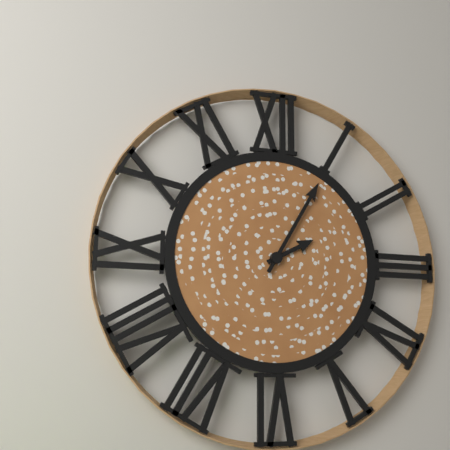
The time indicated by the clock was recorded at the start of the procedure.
2:05
